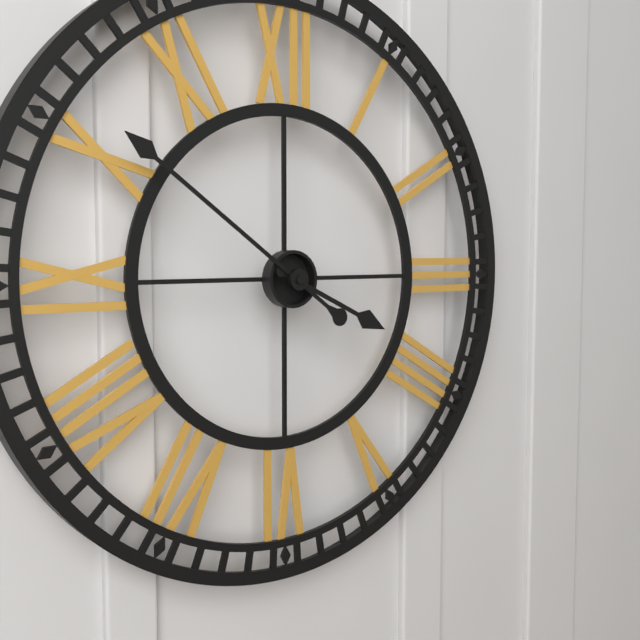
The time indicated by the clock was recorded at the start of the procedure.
3:51
